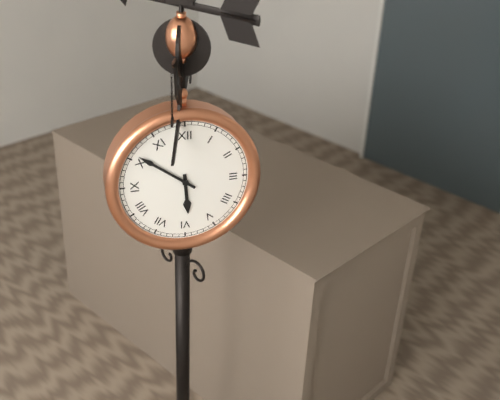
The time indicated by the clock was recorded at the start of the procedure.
5:51
